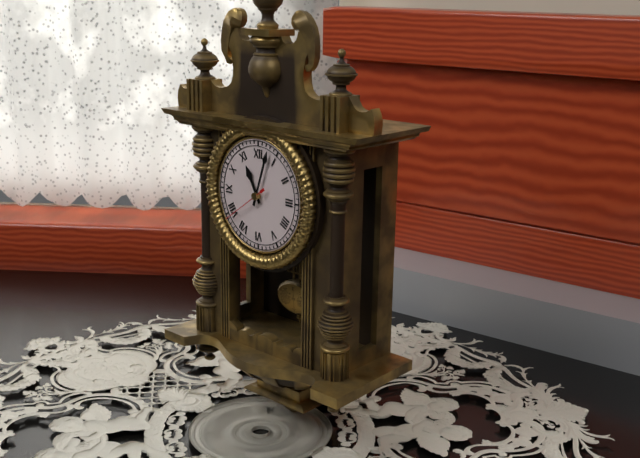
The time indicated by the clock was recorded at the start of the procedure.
11:03
